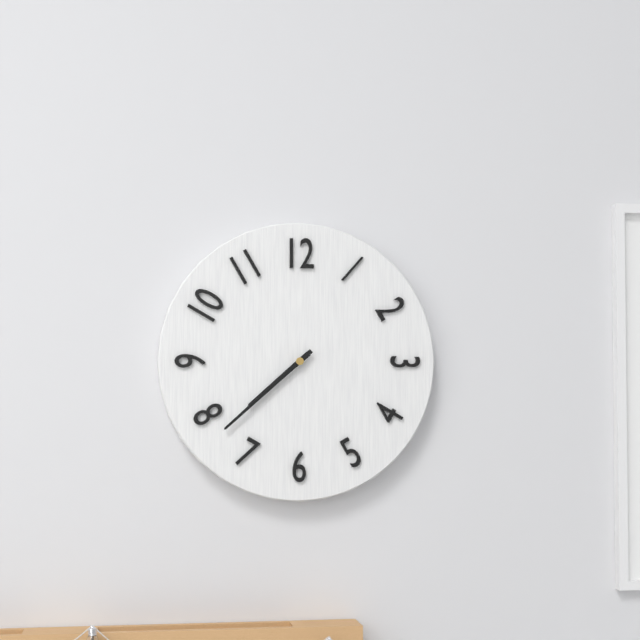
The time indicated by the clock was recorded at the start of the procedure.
7:38
